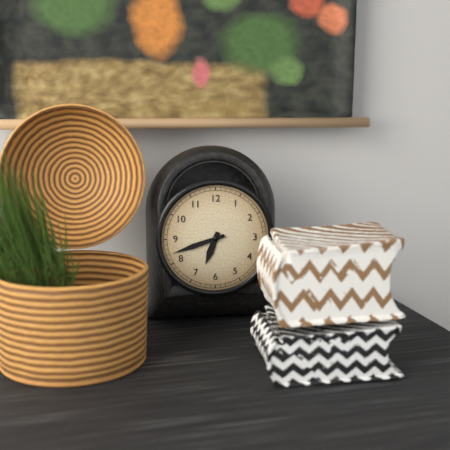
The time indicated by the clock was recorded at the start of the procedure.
6:42
